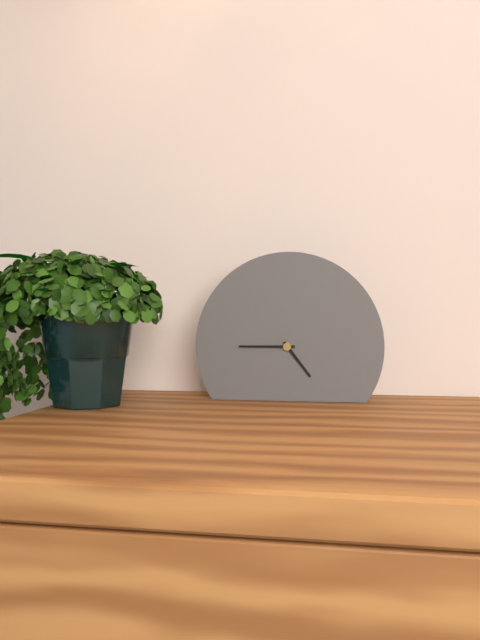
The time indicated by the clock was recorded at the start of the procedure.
4:45
